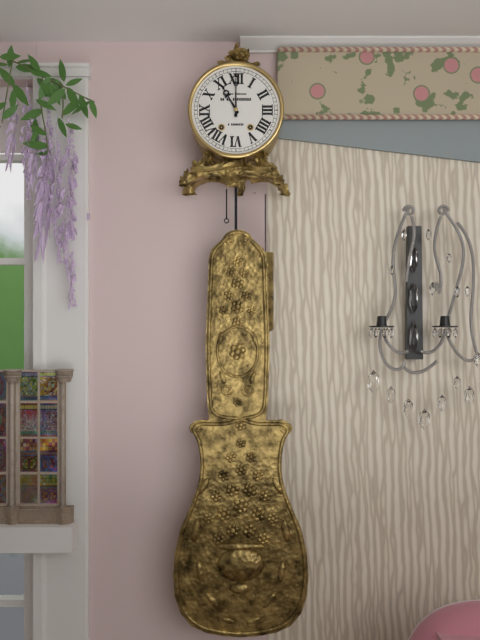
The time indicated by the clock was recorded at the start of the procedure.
11:00
